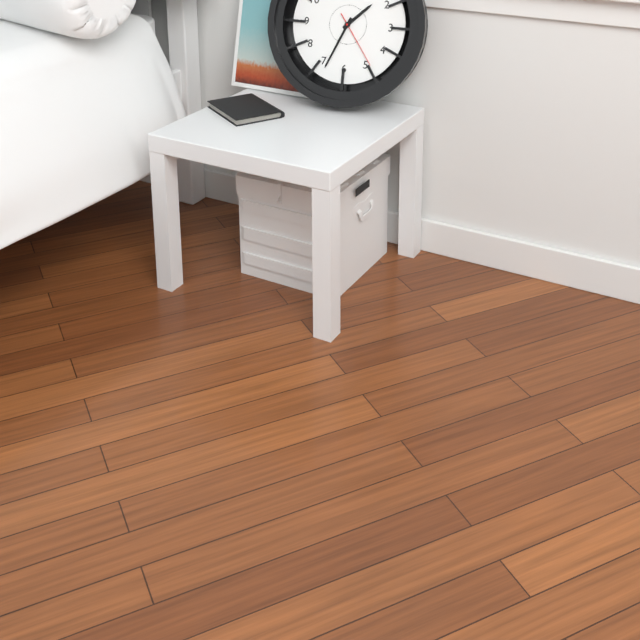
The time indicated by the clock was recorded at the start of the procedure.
1:34:24
